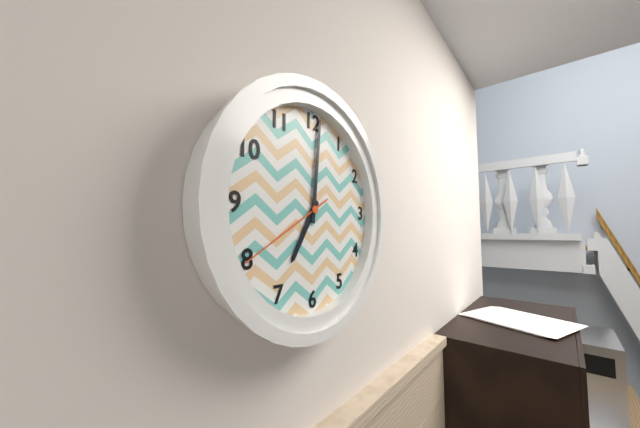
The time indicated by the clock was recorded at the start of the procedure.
7:01:40
